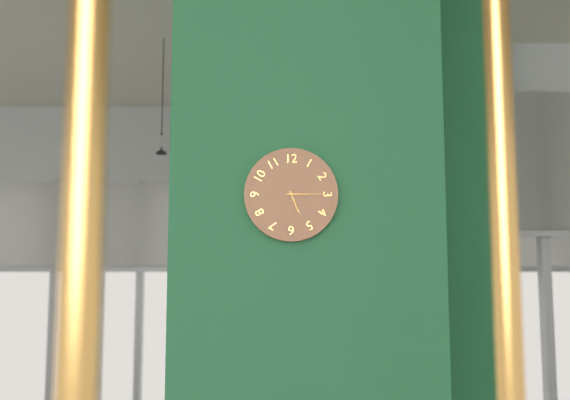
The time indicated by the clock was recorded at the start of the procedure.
5:15
